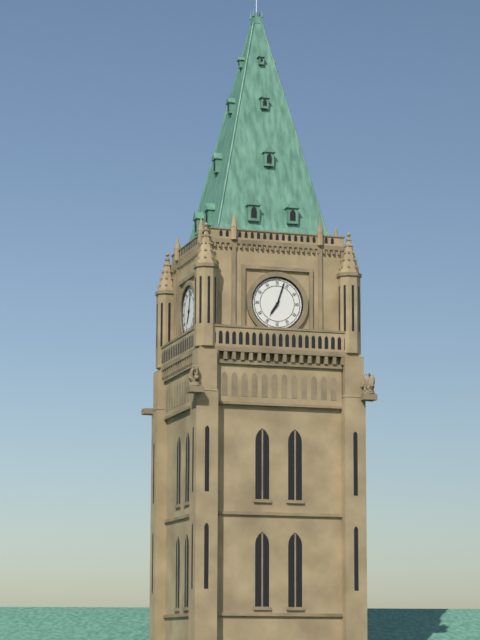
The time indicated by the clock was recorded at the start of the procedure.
7:03
